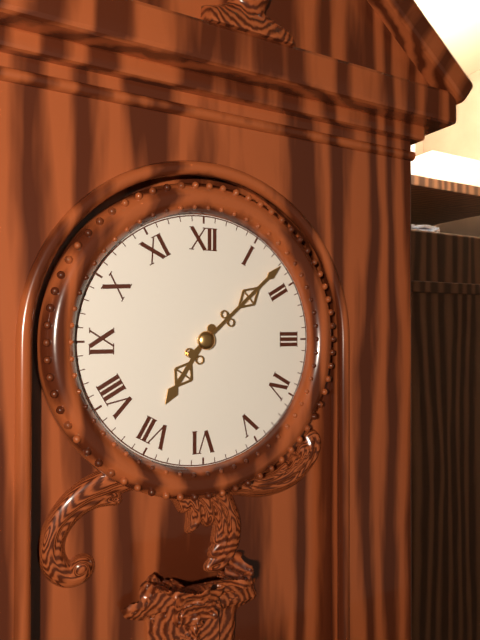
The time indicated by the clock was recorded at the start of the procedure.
7:08
